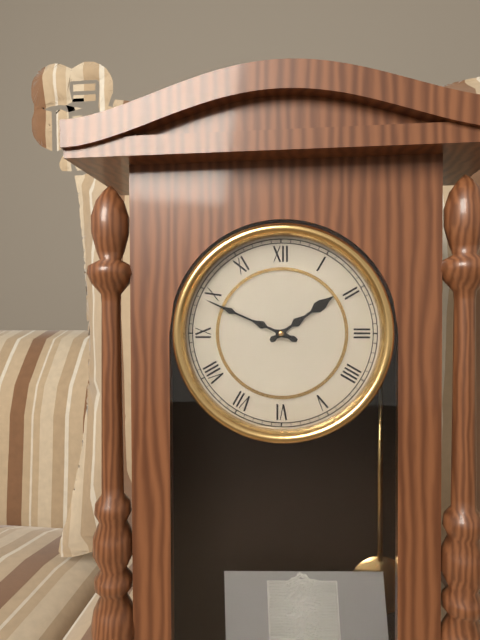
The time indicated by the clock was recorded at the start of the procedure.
1:49
